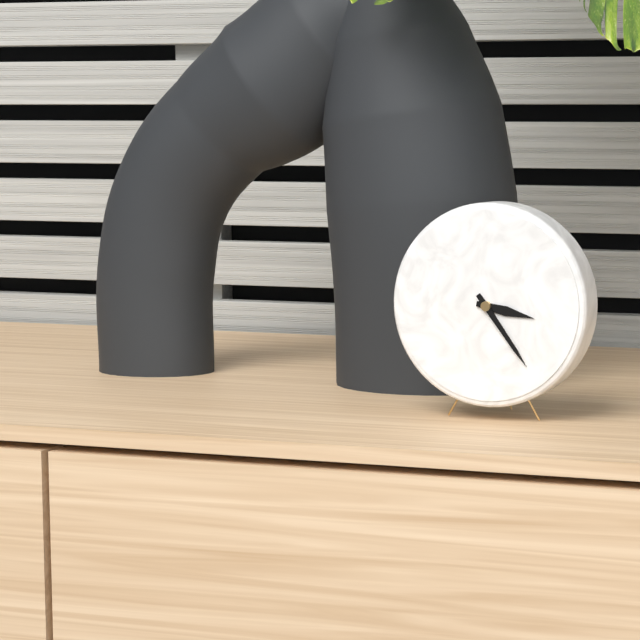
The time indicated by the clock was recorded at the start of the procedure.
3:24
